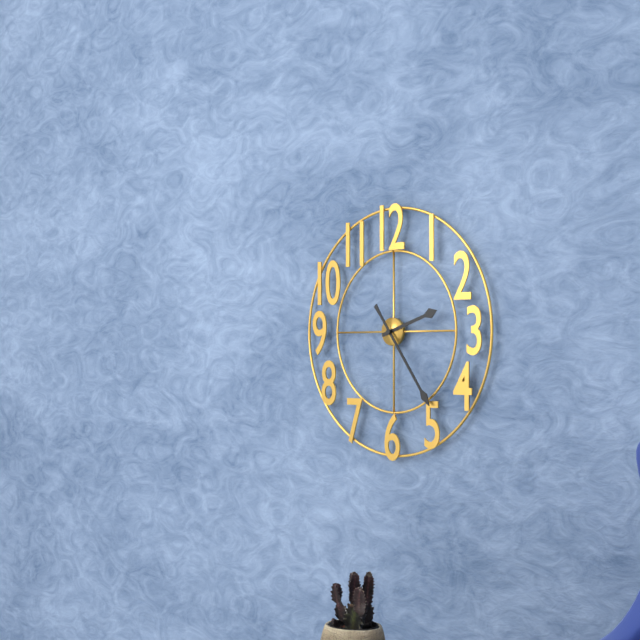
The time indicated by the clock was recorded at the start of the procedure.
2:24
